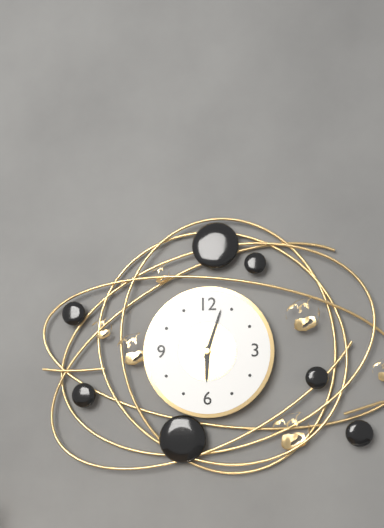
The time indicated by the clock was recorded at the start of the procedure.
6:03
